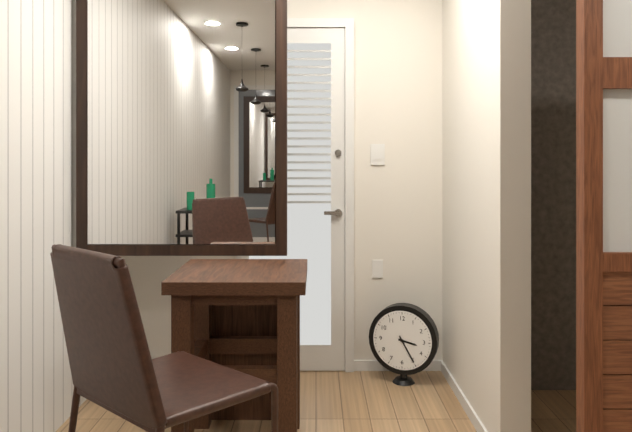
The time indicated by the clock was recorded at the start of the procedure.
3:25
